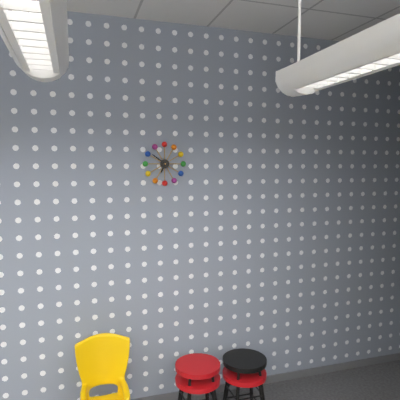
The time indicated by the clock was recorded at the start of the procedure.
6:51
